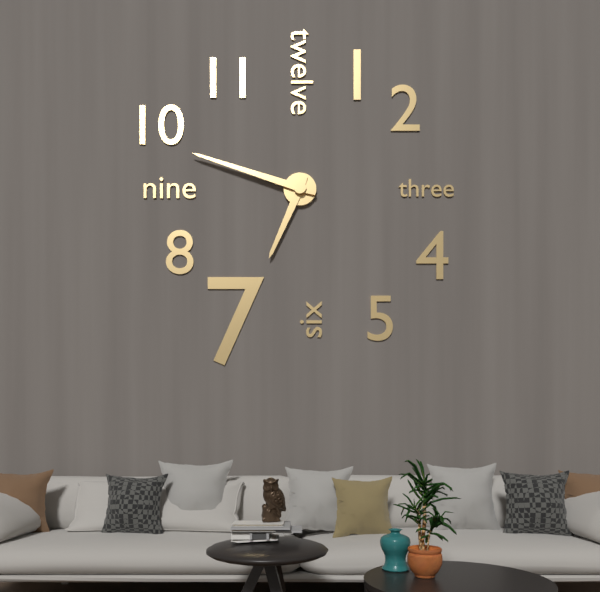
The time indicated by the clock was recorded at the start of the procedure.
6:48
